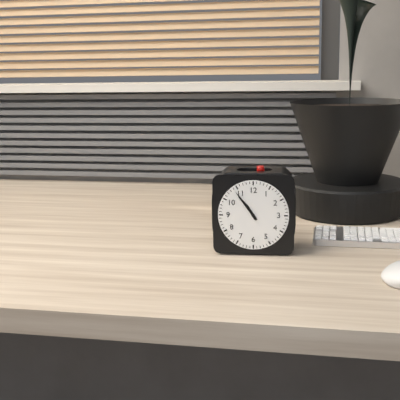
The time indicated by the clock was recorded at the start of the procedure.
10:54
